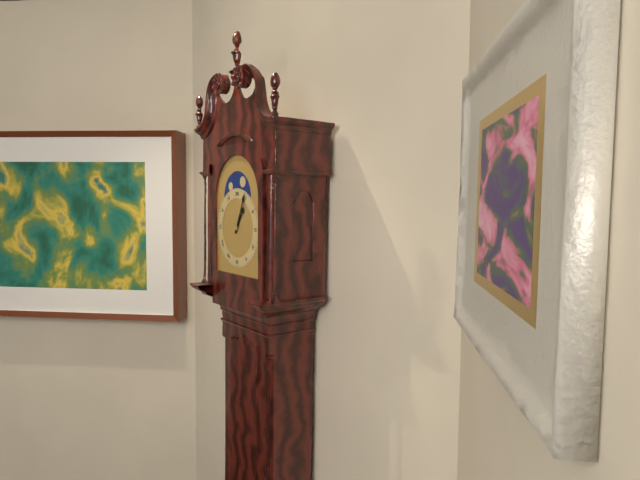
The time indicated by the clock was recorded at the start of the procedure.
1:04
